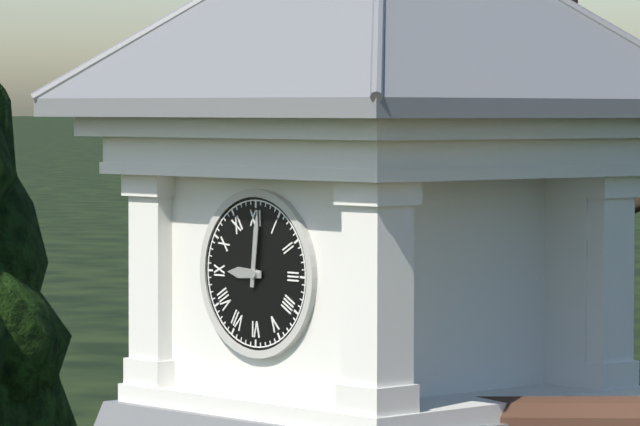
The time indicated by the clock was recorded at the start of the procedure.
9:01
